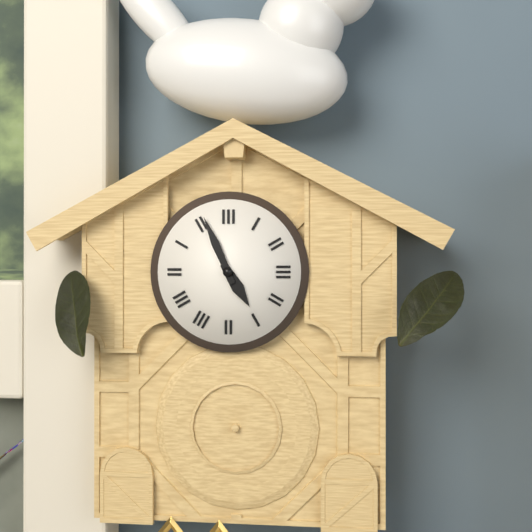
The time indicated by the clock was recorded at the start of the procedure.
4:56
